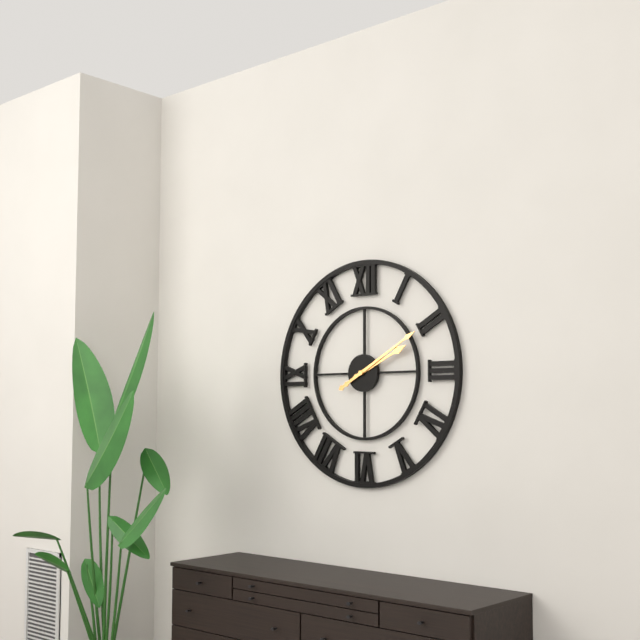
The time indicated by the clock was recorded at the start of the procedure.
2:10
